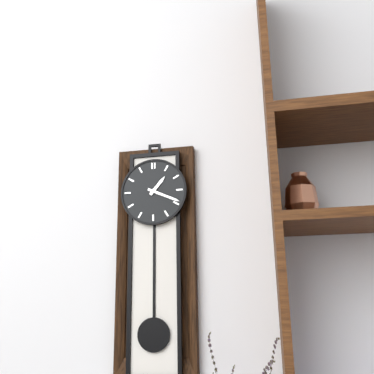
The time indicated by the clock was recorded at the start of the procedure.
1:19
